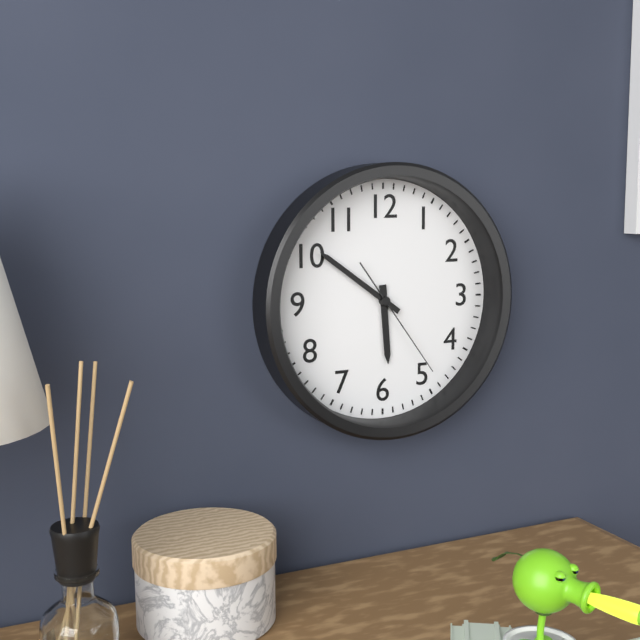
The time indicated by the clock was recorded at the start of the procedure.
5:51:24
